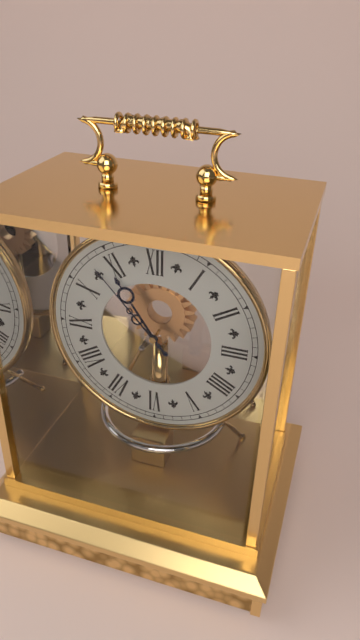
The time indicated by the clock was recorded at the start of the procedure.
10:53
